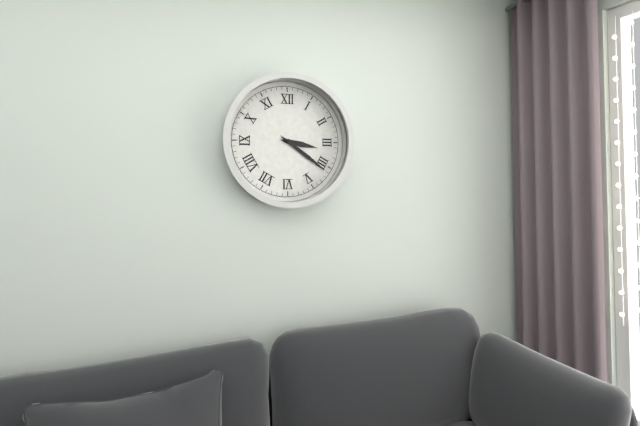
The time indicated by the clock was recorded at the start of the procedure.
3:21
